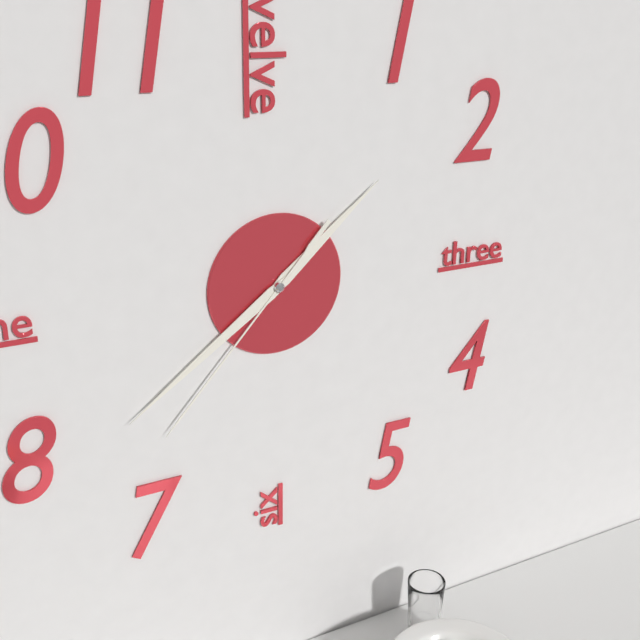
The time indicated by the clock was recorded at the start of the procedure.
1:39:37
